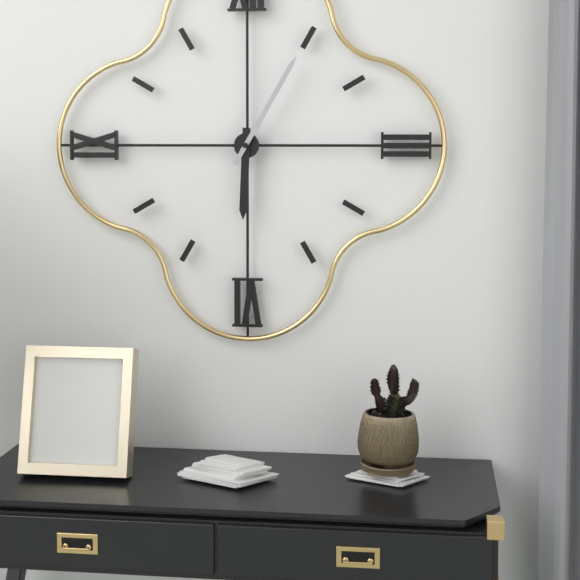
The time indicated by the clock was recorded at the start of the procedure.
6:05
